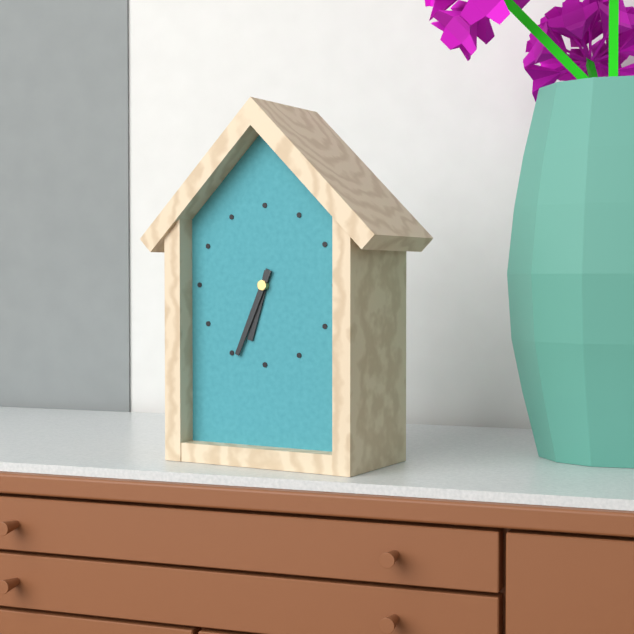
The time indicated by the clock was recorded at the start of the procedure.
6:34
